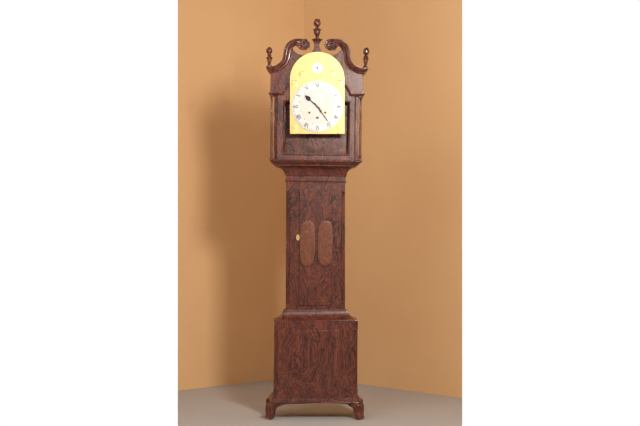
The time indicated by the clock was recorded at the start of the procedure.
10:24
